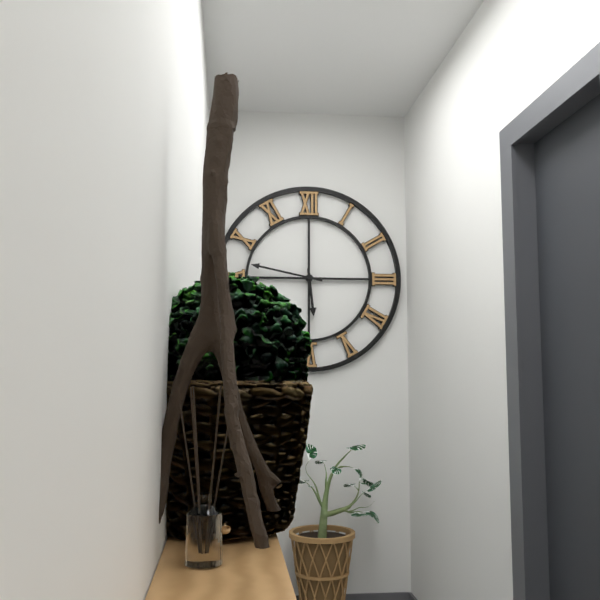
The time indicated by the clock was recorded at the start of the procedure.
5:47
